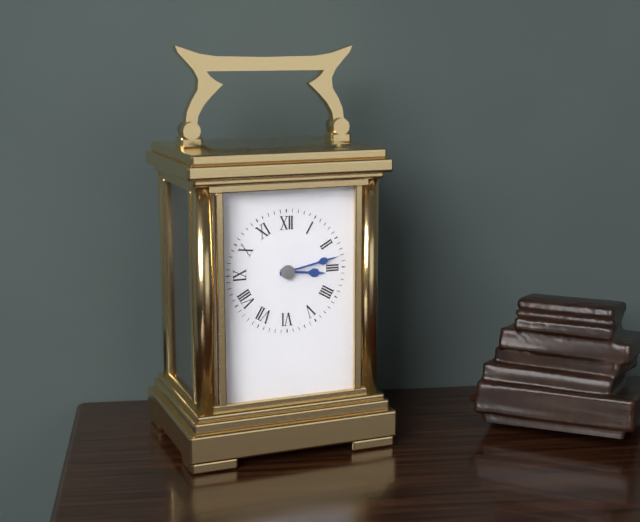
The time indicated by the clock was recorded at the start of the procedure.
3:13
